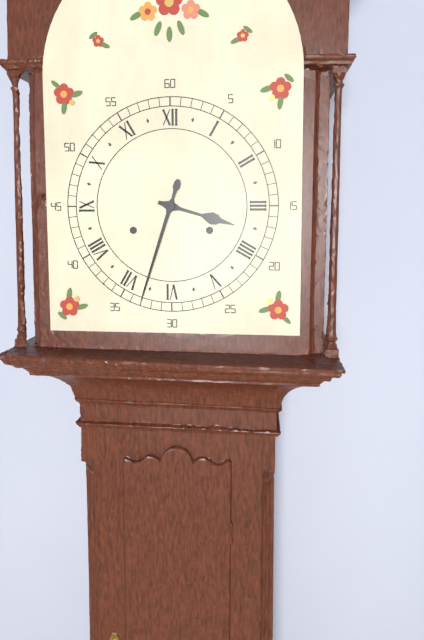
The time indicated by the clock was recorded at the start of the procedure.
3:33
